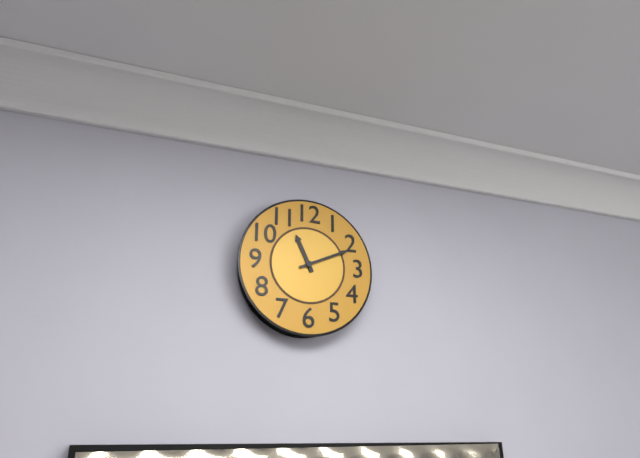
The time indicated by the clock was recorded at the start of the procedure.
11:11
